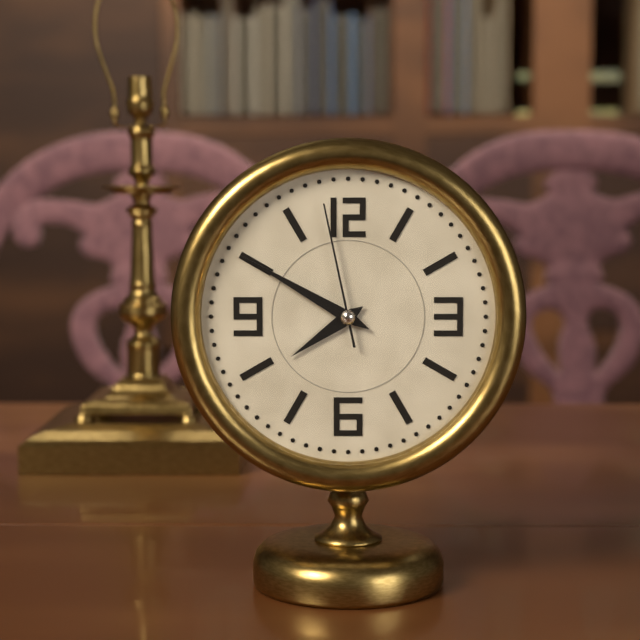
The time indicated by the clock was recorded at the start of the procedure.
7:50:58
